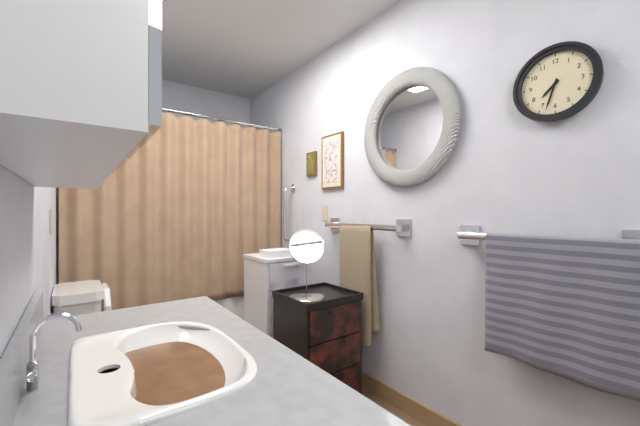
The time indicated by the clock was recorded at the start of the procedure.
7:33
